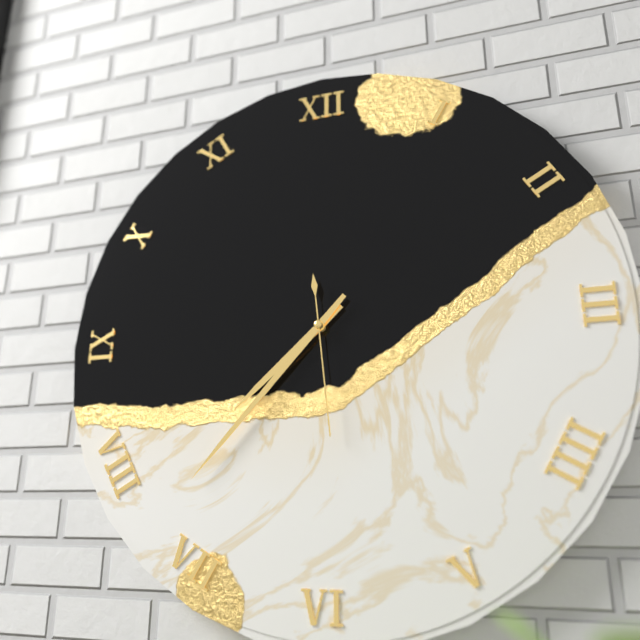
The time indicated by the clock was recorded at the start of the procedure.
7:37:29
